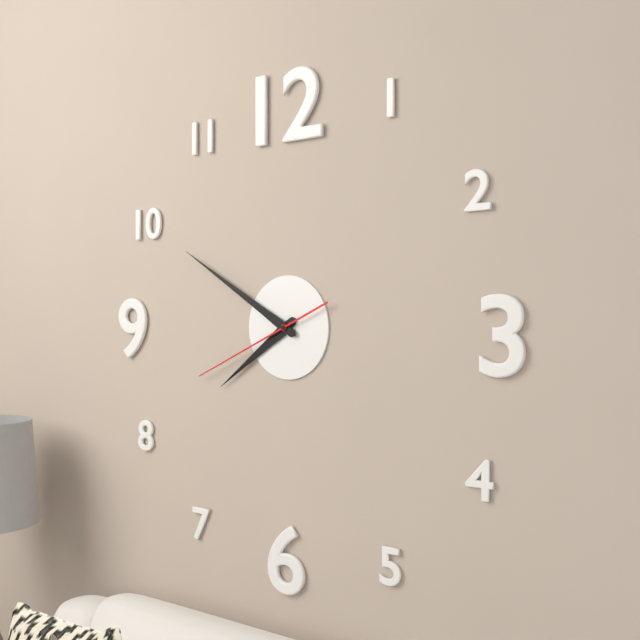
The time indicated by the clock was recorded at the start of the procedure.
7:50:41
